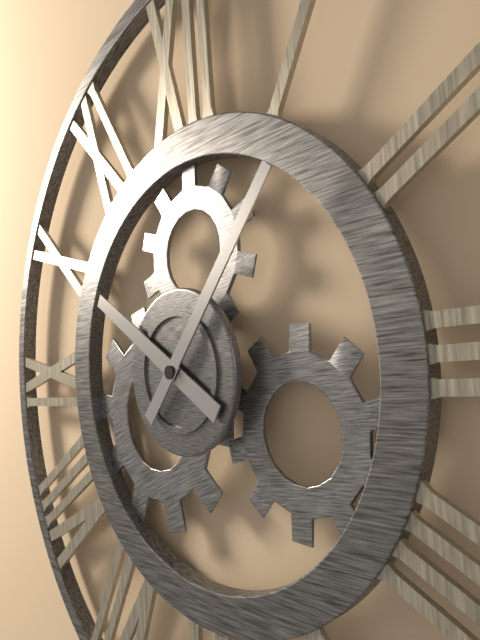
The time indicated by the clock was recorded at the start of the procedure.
10:07
